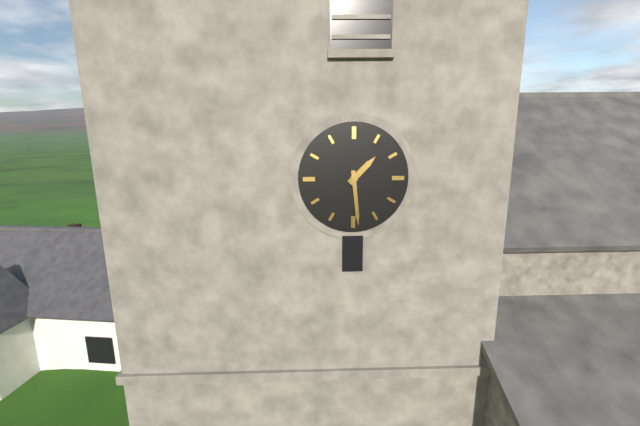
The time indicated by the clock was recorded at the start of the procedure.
1:29
